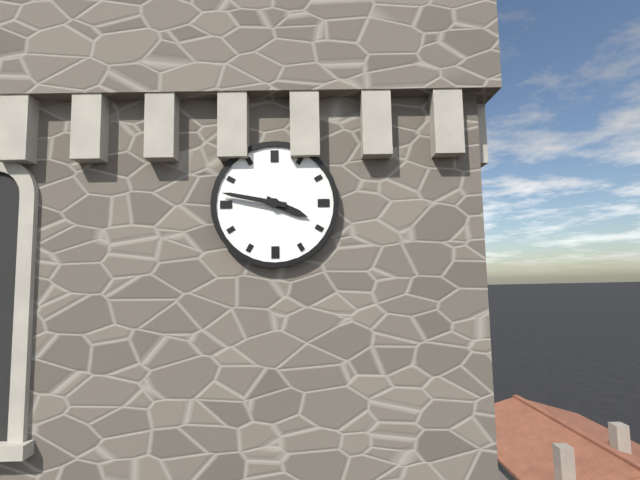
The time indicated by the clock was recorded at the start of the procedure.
3:47
